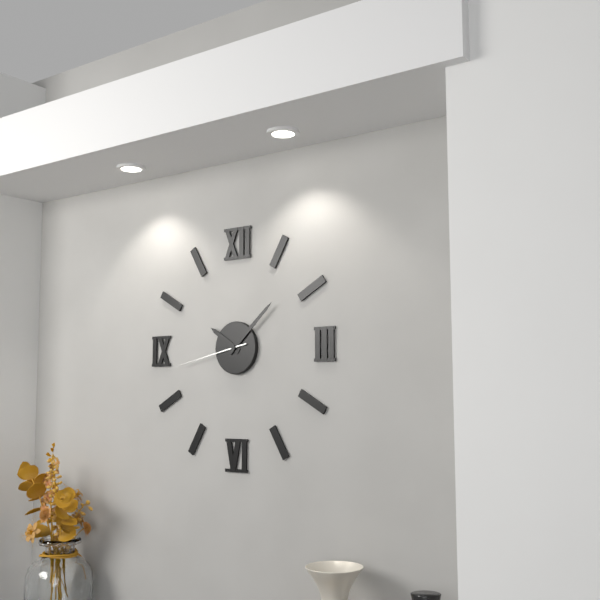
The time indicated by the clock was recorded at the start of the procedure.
10:08:43
